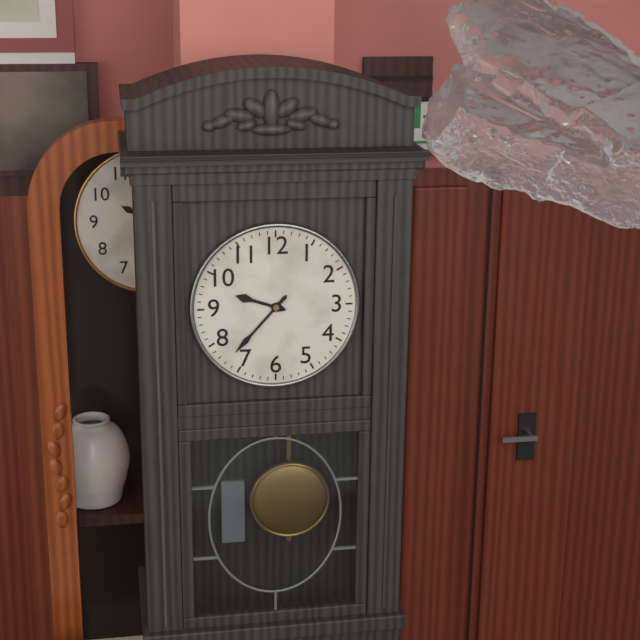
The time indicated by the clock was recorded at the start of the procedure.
9:37
